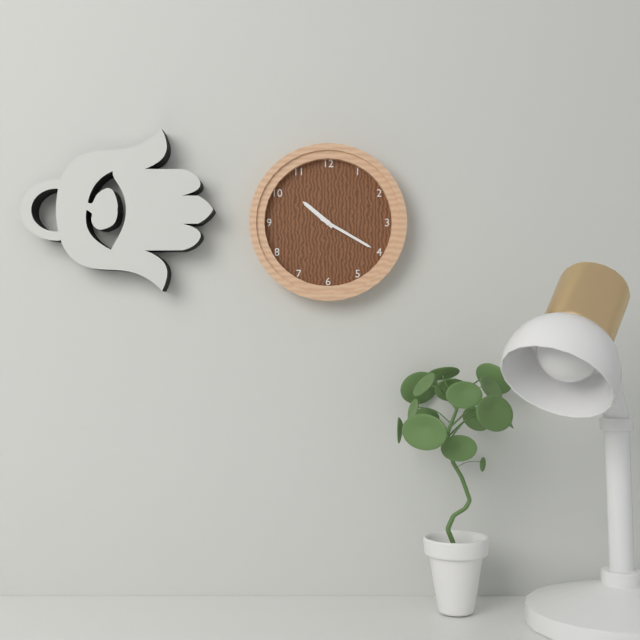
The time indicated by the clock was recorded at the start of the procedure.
10:20
